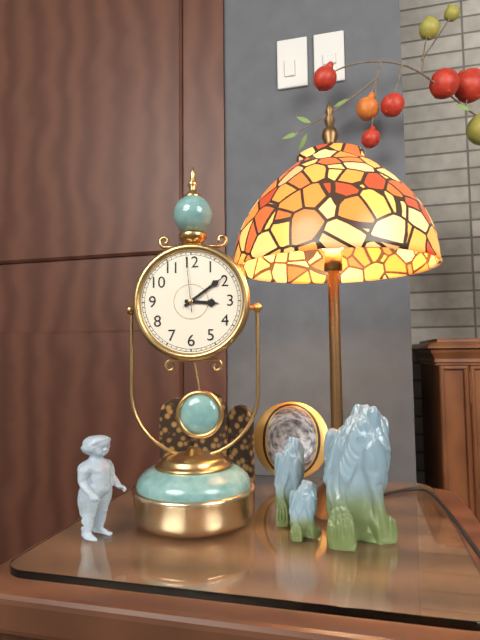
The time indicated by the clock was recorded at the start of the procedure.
3:09:59
